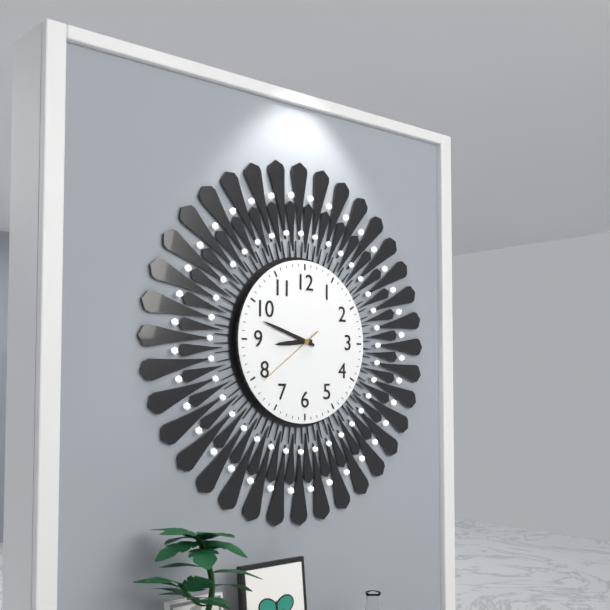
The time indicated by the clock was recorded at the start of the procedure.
8:48:39
